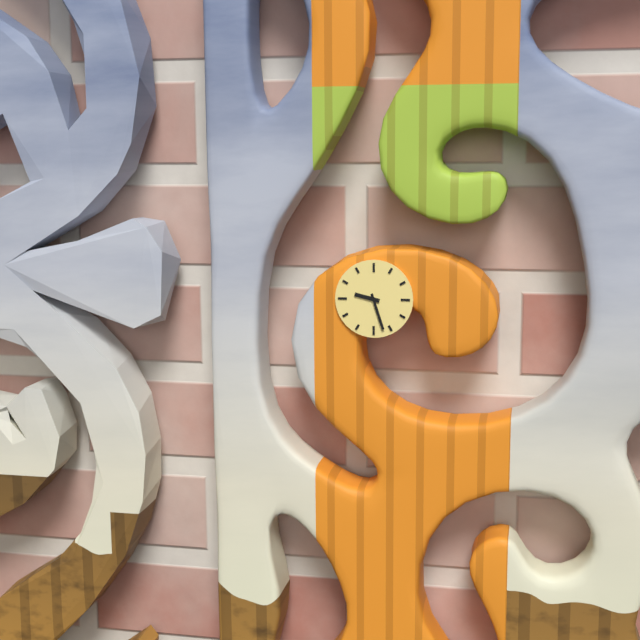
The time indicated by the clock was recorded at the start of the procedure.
9:27
